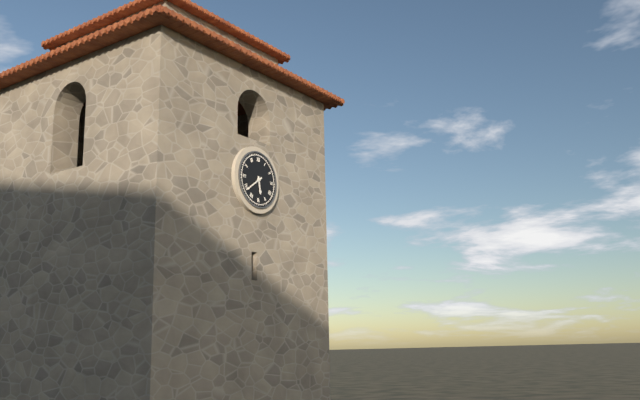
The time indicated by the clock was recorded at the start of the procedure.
5:39
